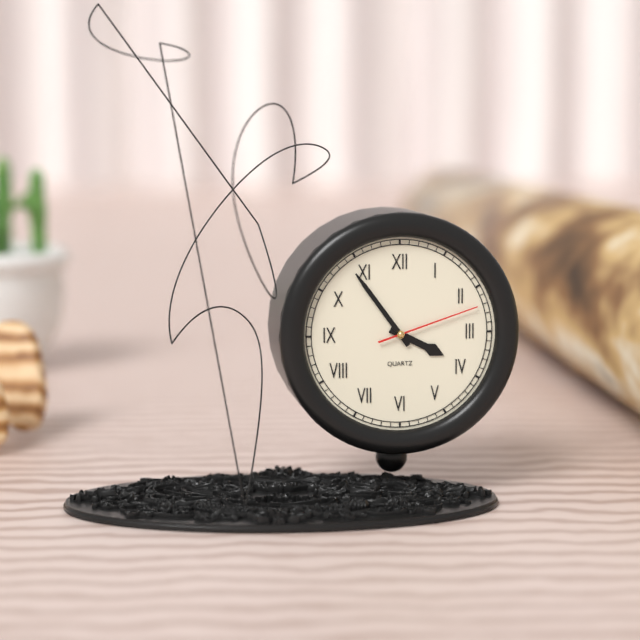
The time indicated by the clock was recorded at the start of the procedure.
3:54:12
